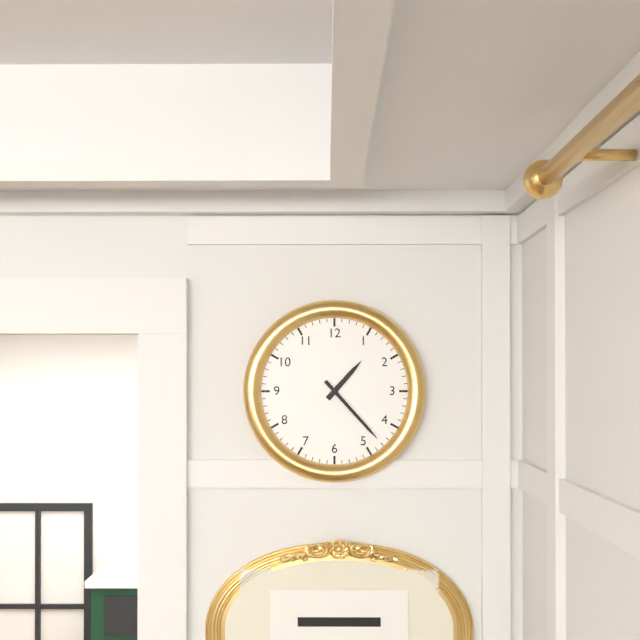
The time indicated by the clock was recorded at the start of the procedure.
1:23
